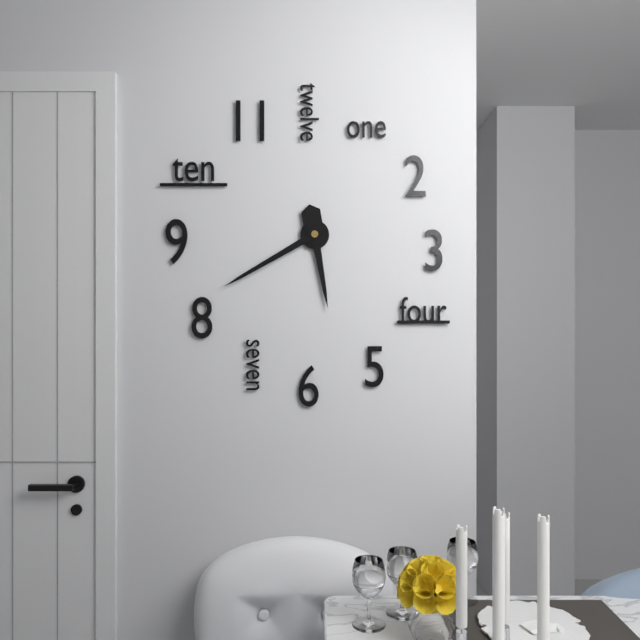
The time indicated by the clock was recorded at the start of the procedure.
5:40
